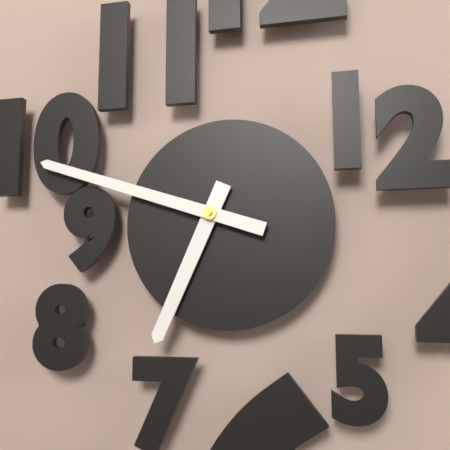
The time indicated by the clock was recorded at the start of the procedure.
6:48
